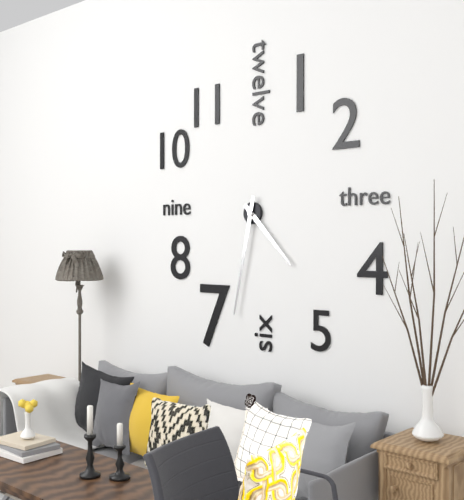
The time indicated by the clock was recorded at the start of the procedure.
4:32
